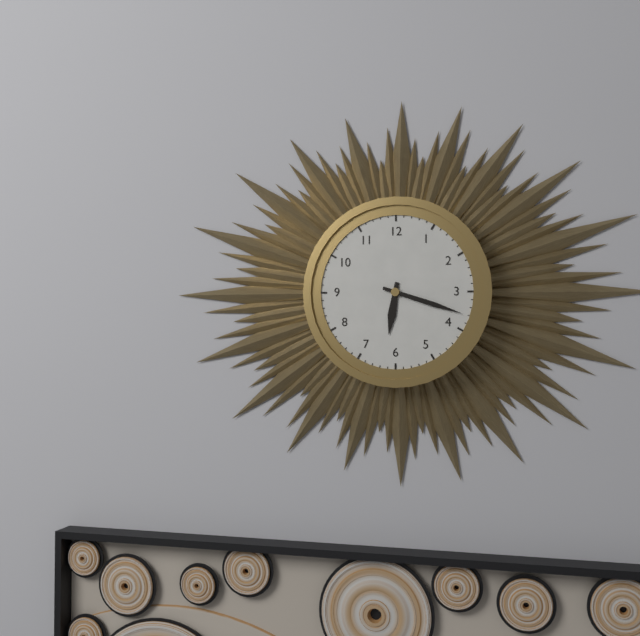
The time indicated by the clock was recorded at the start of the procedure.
6:18
